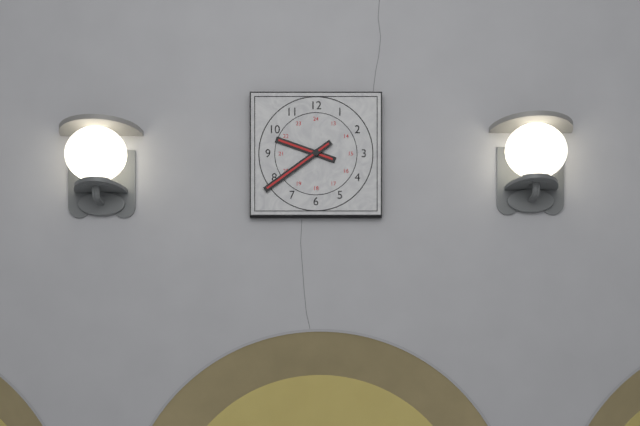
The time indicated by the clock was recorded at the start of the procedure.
9:39
